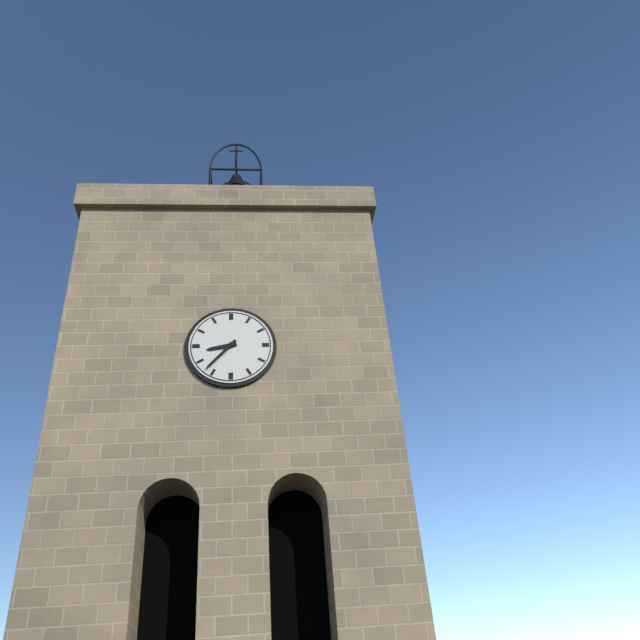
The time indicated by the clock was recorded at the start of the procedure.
8:37
